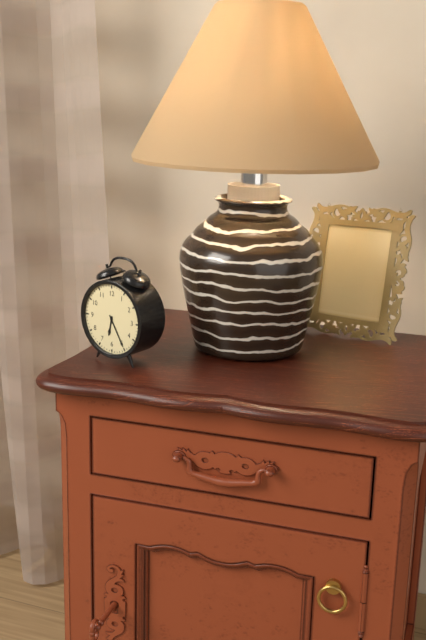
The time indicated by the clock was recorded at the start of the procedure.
6:25
